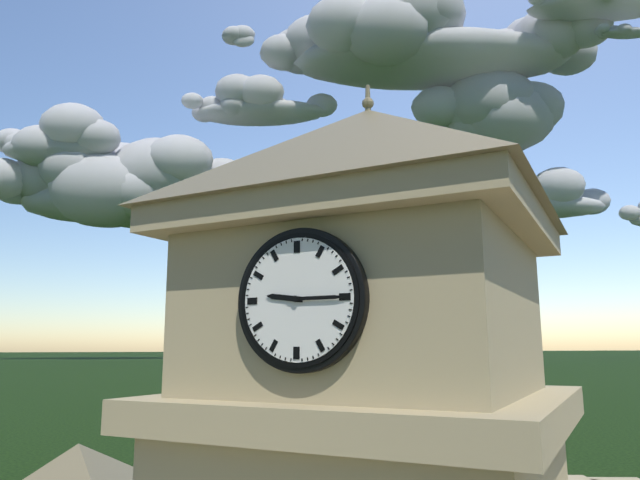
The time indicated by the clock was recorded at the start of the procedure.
9:15
